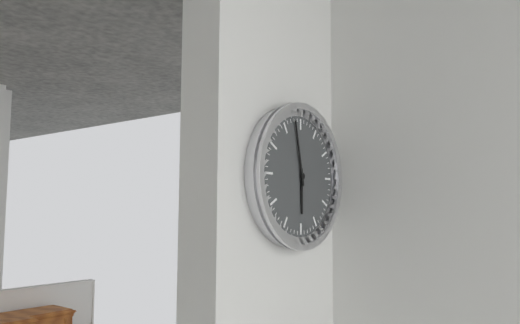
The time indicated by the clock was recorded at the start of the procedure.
5:58
